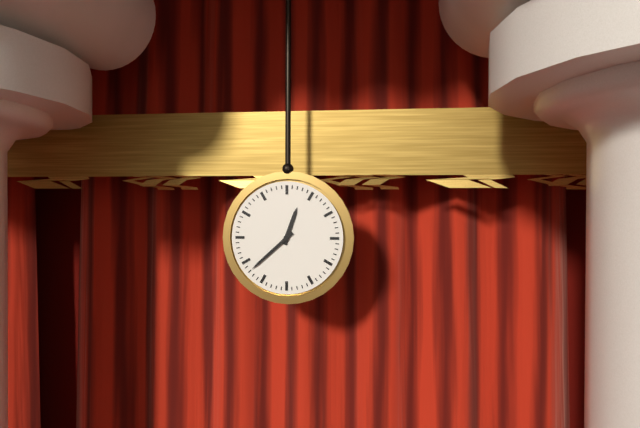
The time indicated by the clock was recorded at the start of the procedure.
12:38
